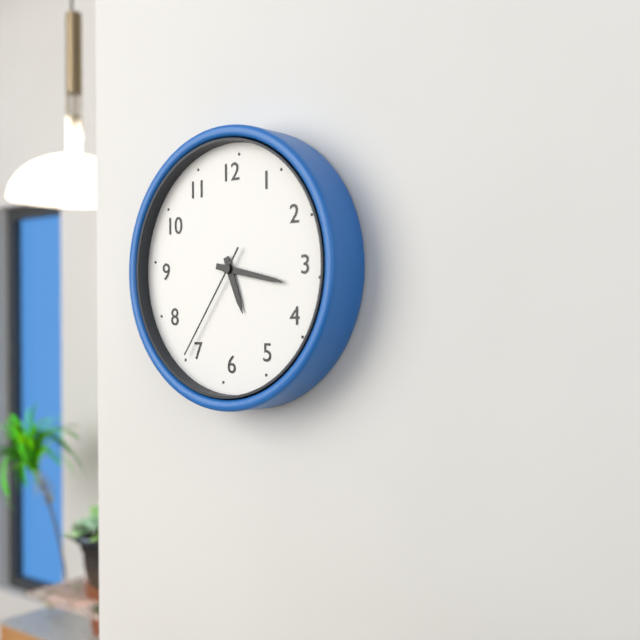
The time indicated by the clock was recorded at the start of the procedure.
5:17:36
